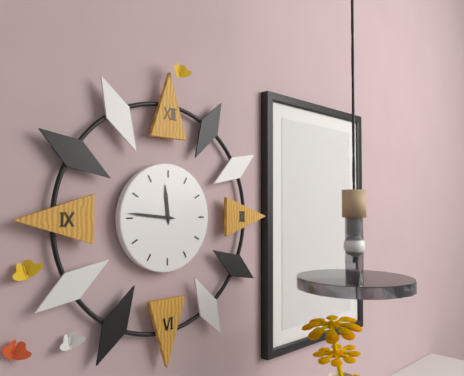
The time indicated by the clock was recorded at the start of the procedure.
11:46
